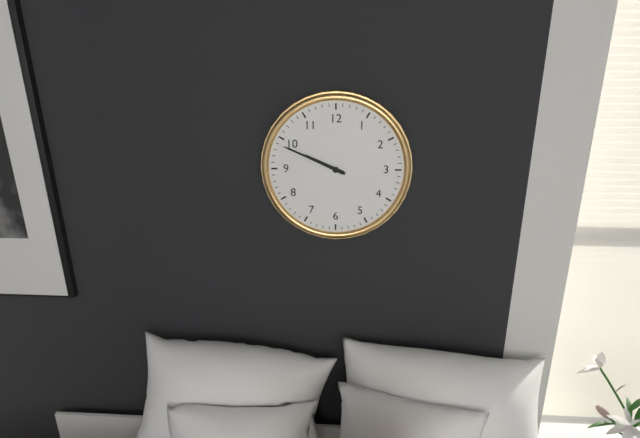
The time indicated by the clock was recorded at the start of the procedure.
9:49
